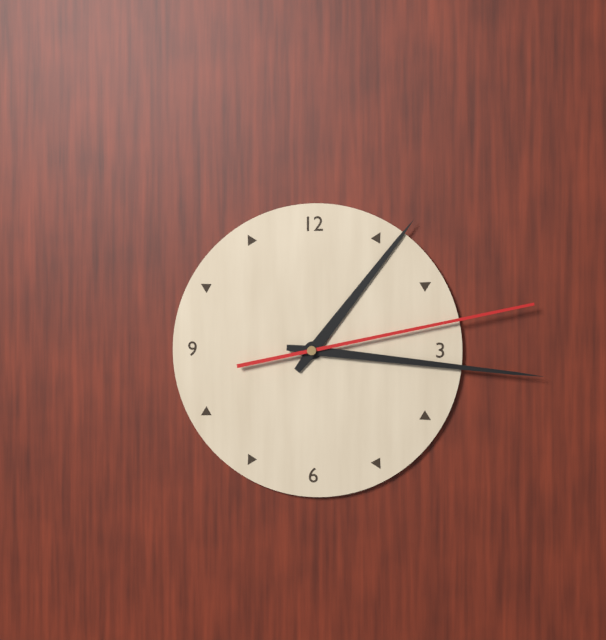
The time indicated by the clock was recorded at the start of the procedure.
1:16:13
